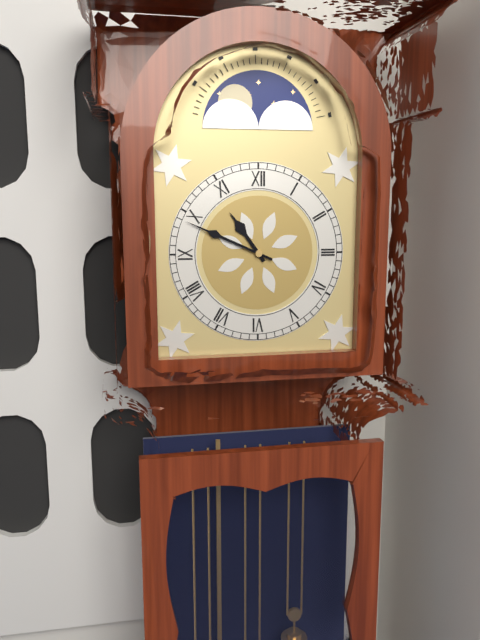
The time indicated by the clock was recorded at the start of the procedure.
10:49
